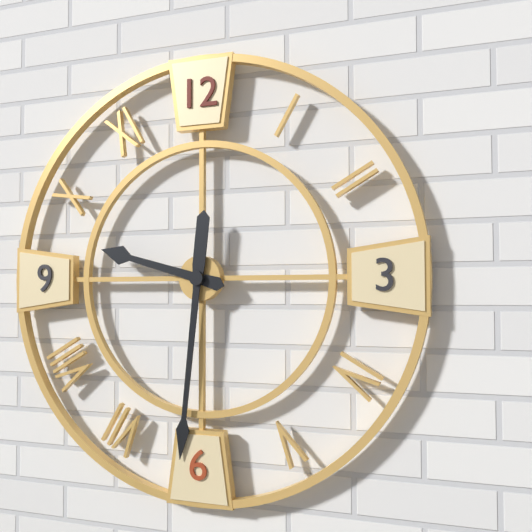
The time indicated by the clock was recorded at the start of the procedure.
9:31
